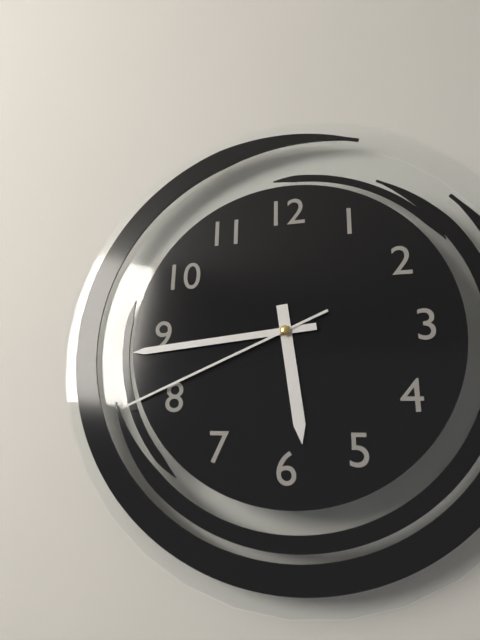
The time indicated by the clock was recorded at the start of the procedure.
5:44:41
